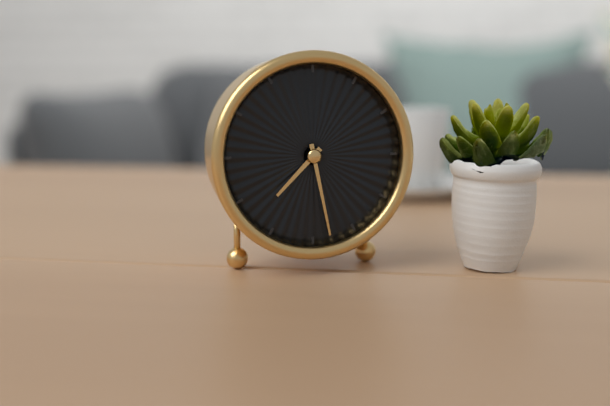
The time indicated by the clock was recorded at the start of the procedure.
7:28
